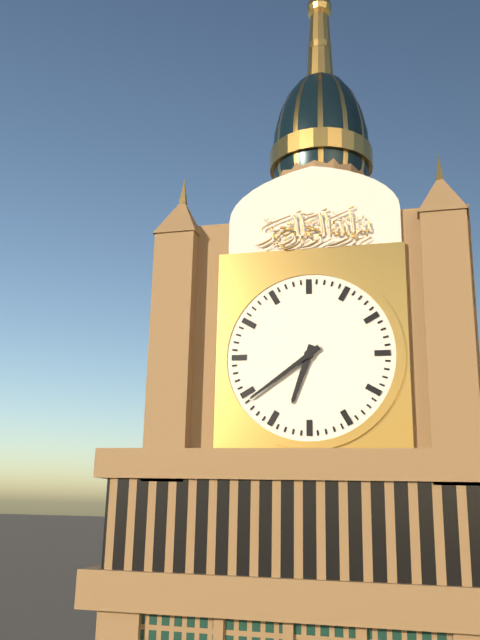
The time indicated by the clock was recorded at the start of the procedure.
6:39
